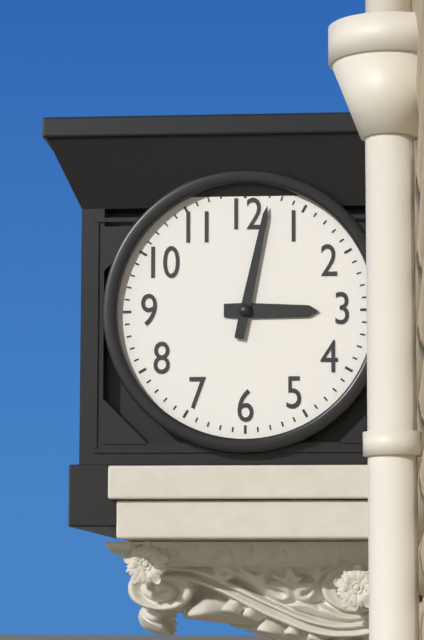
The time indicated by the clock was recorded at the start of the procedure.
3:02
